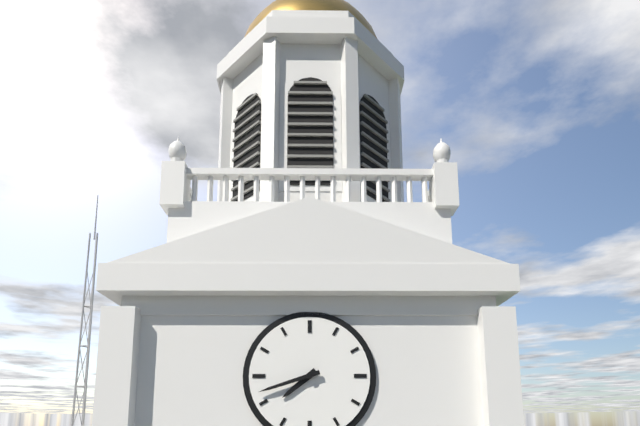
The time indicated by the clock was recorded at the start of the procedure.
7:42
